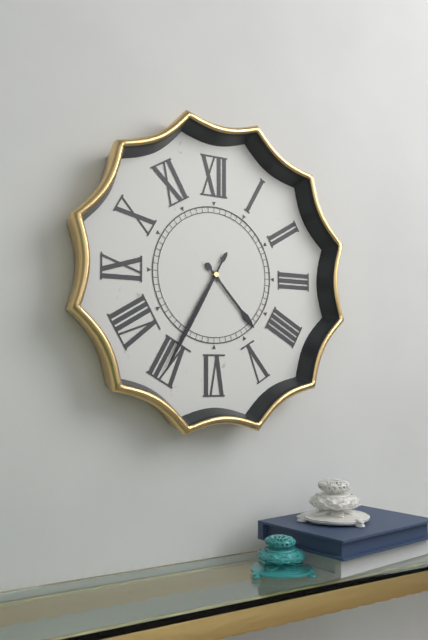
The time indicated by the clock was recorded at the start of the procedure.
4:35
